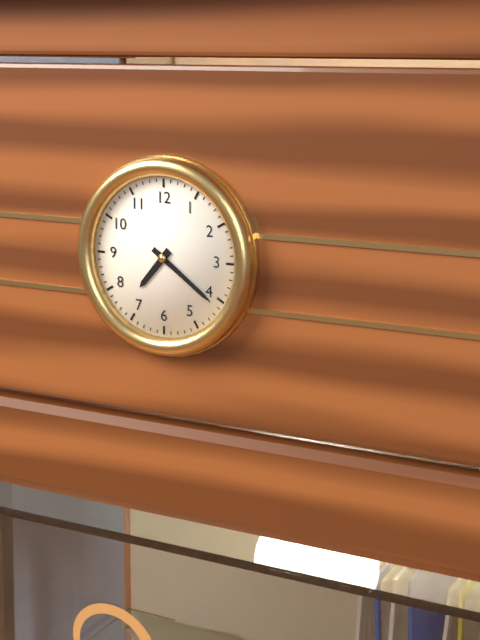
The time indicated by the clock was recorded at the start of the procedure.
7:21
